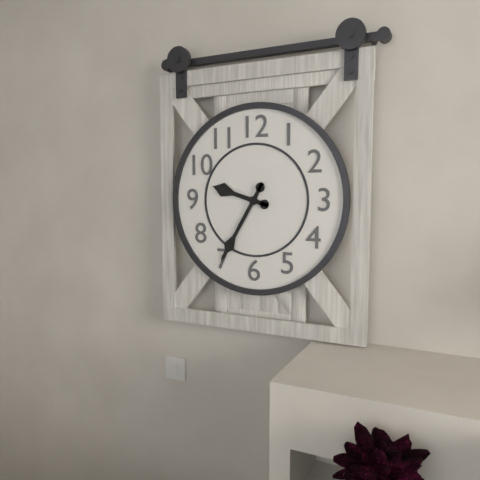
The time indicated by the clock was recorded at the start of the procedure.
9:35
